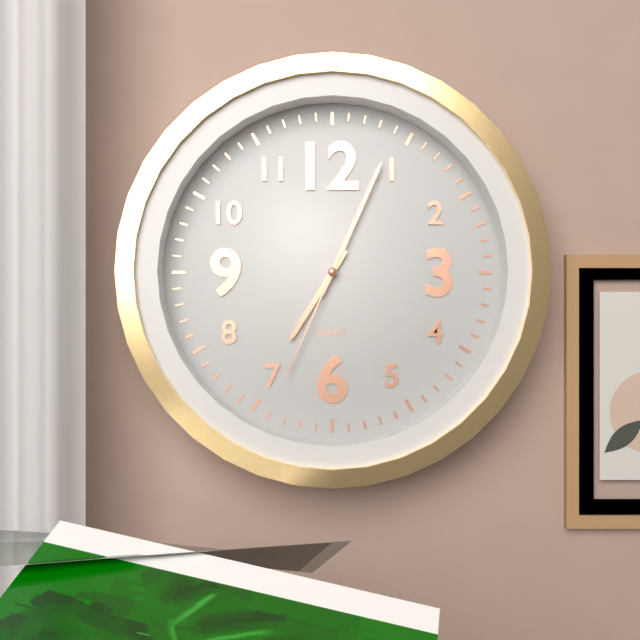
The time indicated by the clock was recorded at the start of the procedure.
7:04:34
